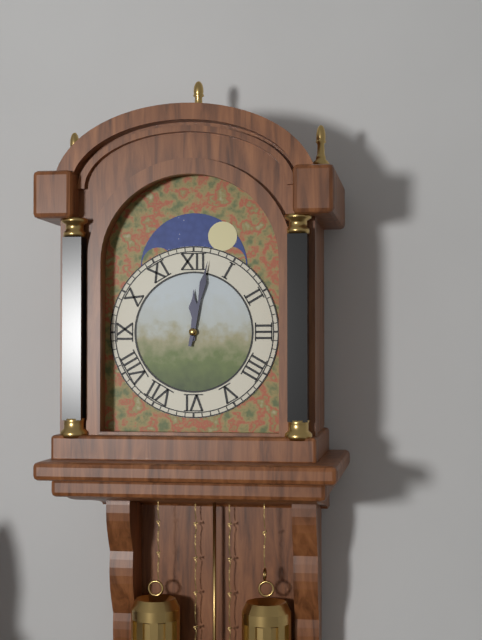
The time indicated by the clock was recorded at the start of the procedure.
12:02
